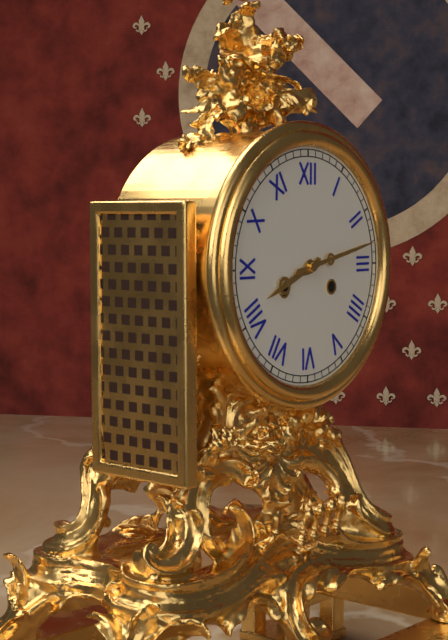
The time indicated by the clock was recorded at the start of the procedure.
8:13
